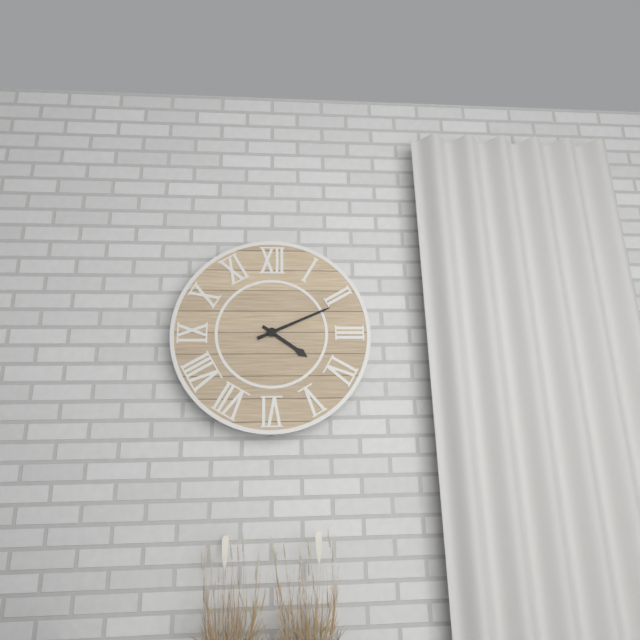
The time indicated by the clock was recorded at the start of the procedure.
4:11
